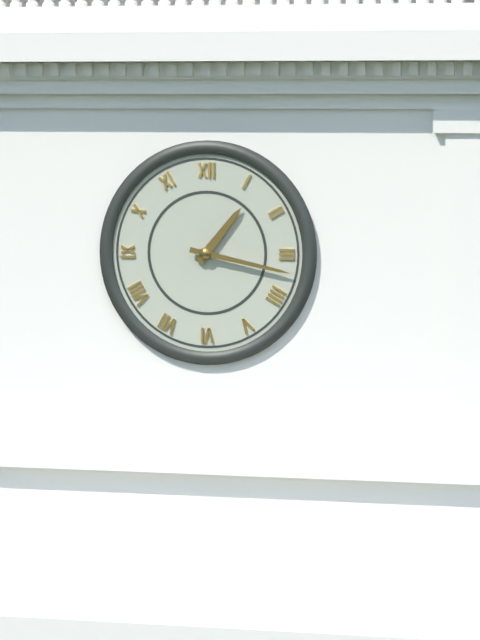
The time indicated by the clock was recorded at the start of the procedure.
1:17
